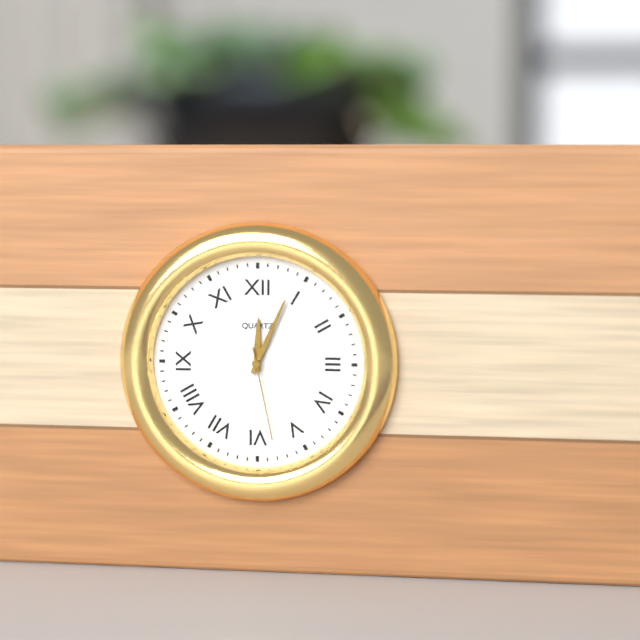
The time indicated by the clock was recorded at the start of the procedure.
12:04:28
